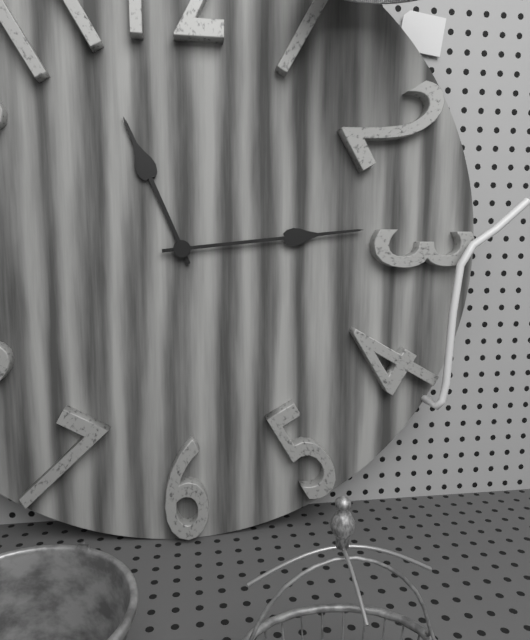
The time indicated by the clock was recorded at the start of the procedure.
11:14
